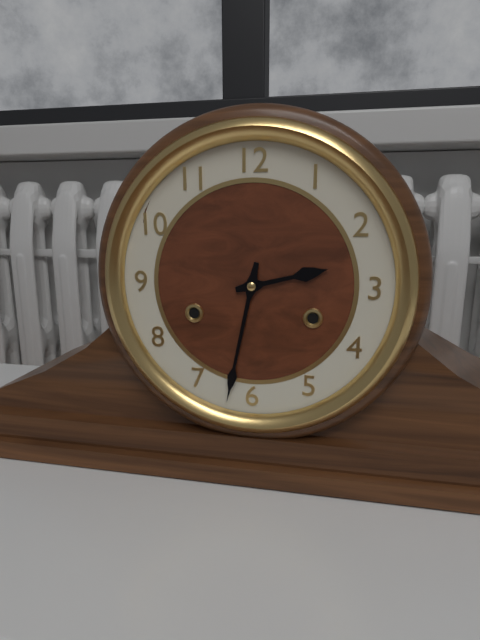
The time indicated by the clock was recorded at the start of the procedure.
2:32
